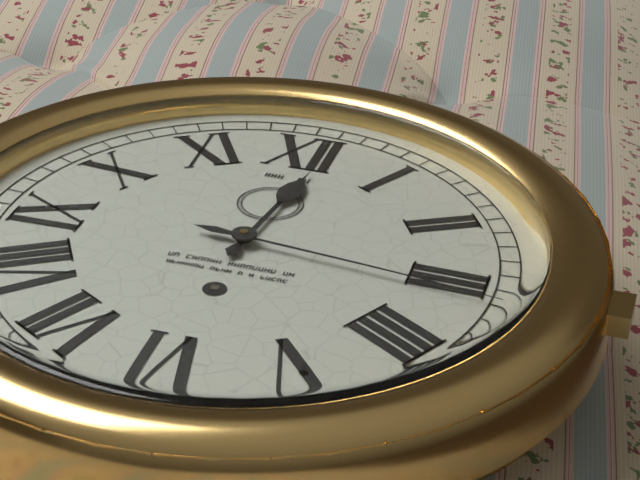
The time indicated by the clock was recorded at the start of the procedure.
12:16
